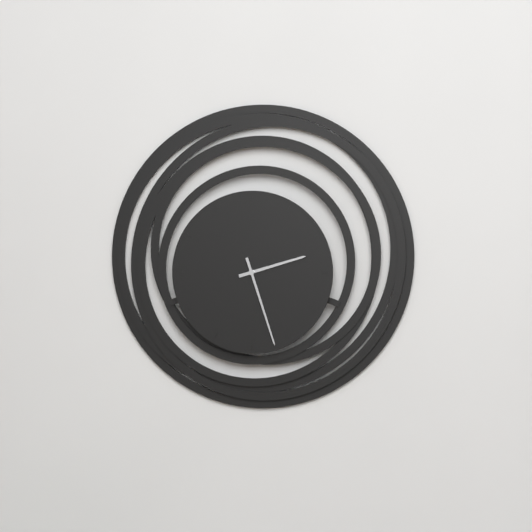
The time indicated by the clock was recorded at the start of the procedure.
2:27
